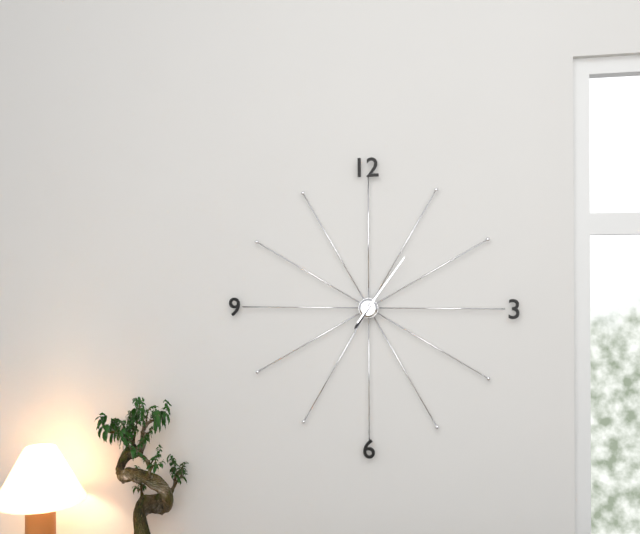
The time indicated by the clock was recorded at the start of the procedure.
7:06
